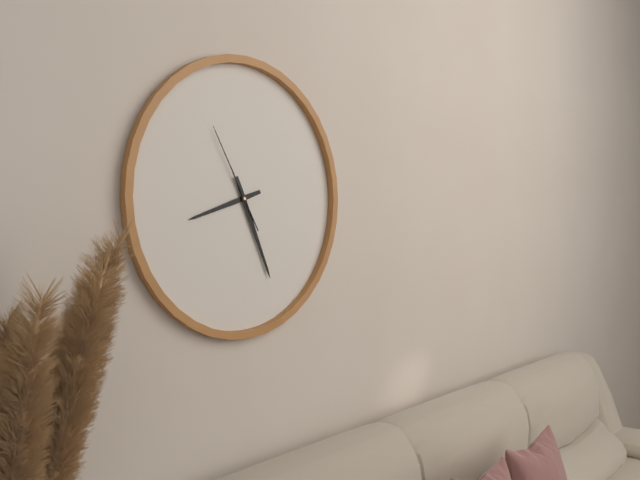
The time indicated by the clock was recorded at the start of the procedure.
8:26:55
